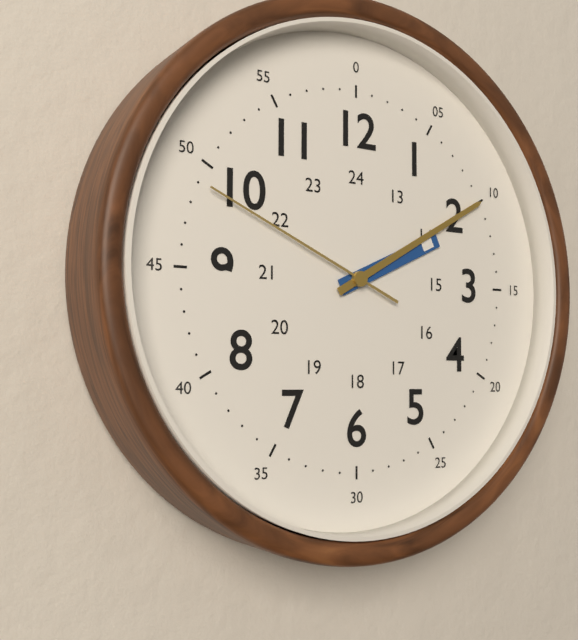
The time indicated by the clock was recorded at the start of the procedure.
2:10:49
